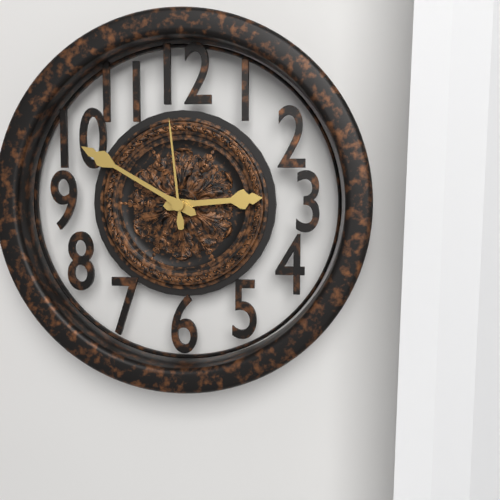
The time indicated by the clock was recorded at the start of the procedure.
2:50:59
